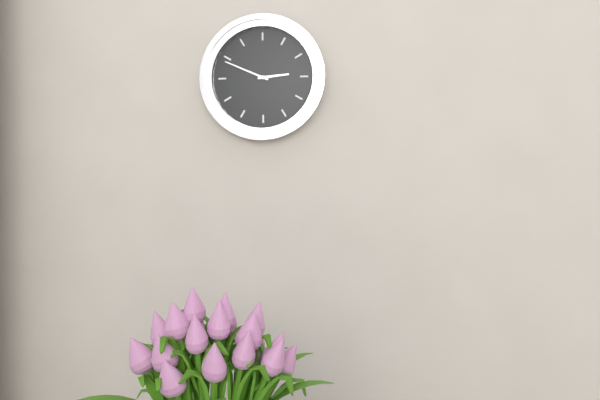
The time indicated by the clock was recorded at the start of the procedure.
2:49
